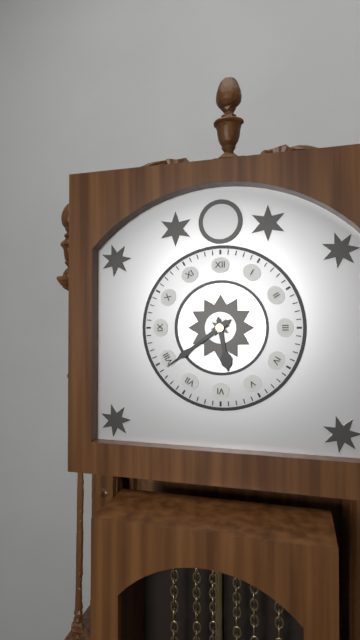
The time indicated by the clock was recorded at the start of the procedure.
5:39
